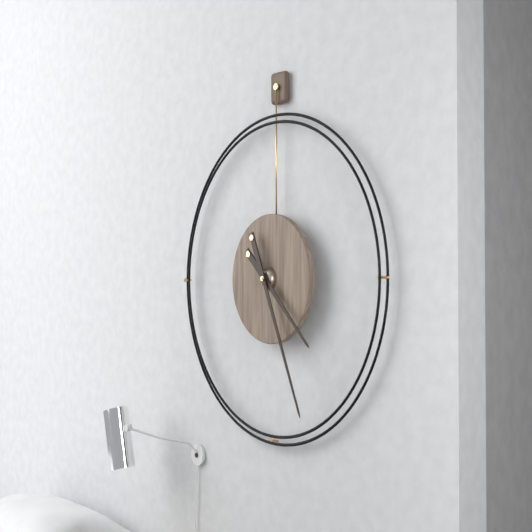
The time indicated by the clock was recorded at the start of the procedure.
4:26
